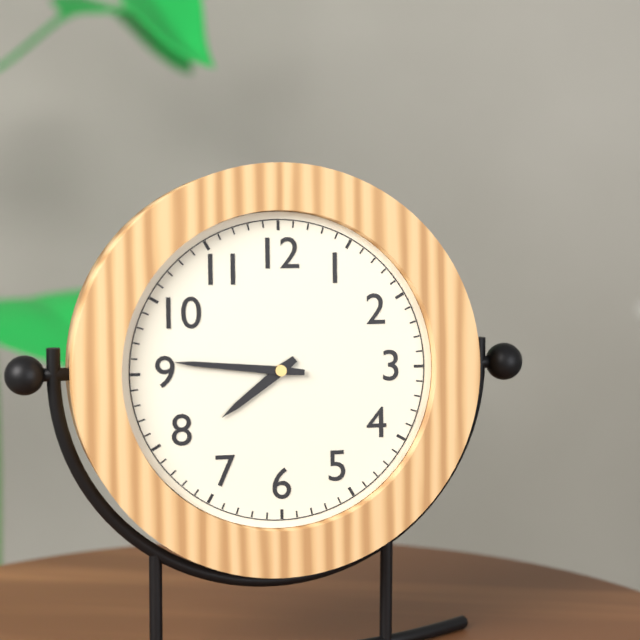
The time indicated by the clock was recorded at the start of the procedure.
7:46
